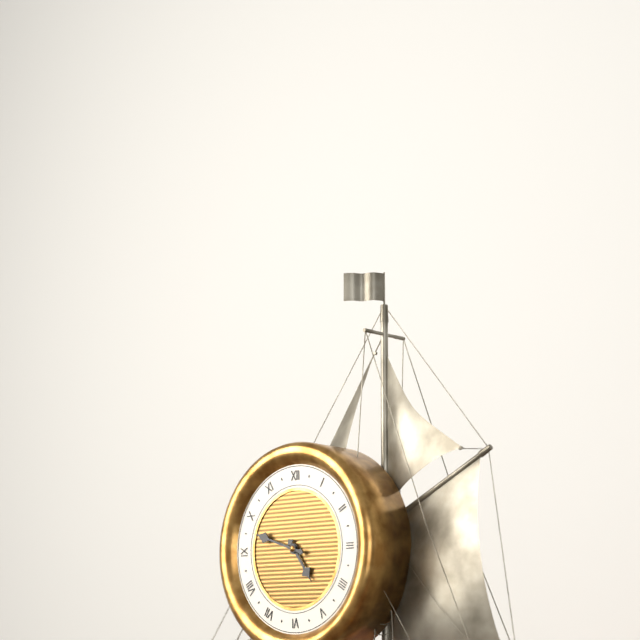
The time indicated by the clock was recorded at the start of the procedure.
4:48
